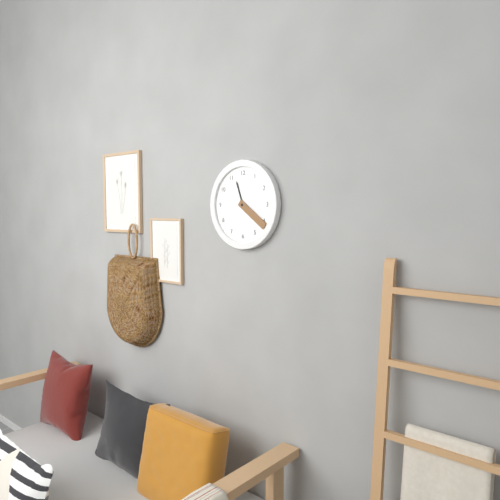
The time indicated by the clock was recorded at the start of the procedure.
11:21
